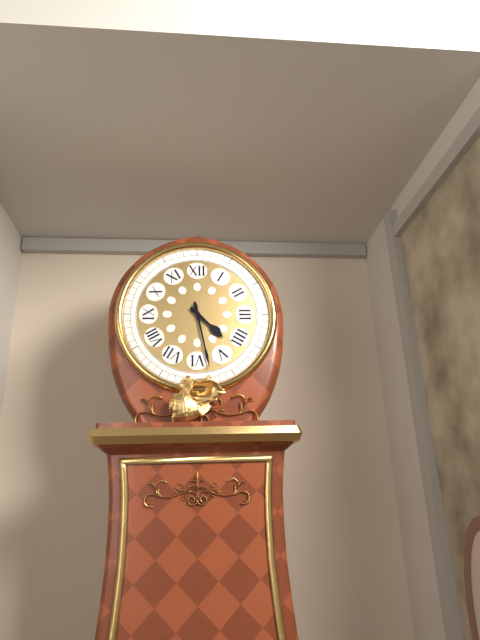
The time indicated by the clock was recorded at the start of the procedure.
4:28
